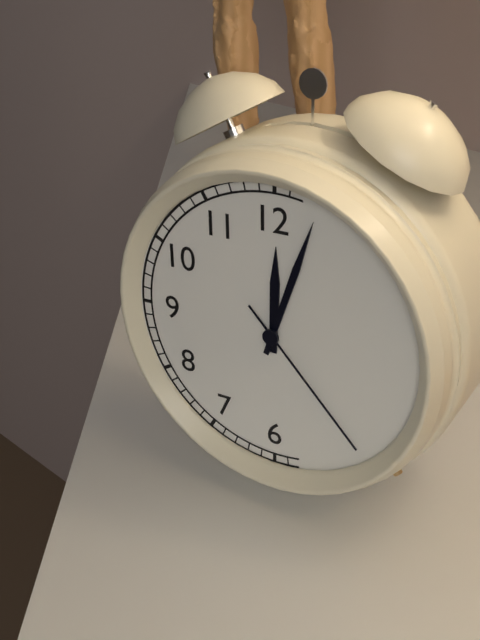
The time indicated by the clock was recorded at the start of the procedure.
12:03:23
